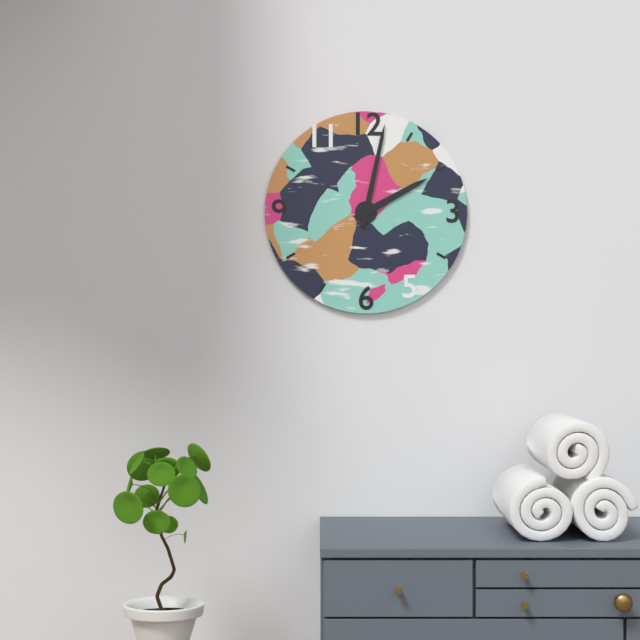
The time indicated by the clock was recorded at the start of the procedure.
2:02
